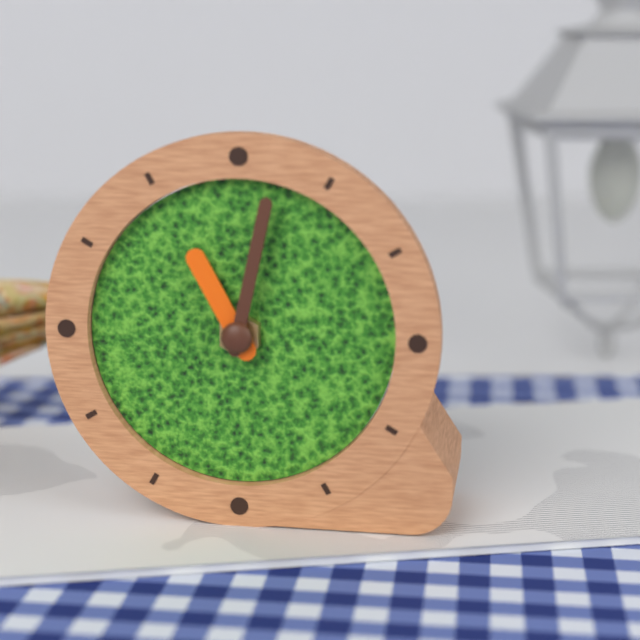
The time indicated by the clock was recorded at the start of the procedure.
11:02
